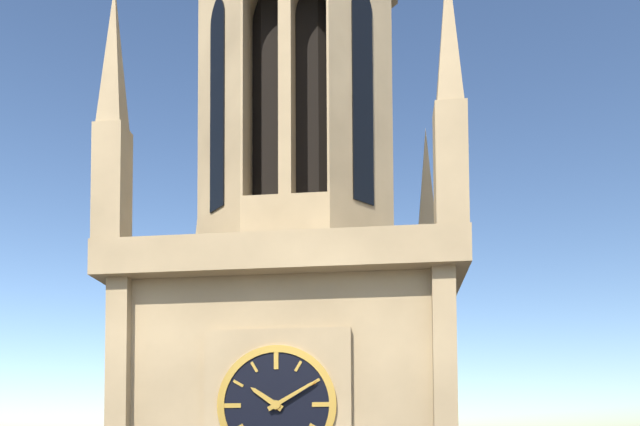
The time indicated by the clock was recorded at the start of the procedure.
10:10
